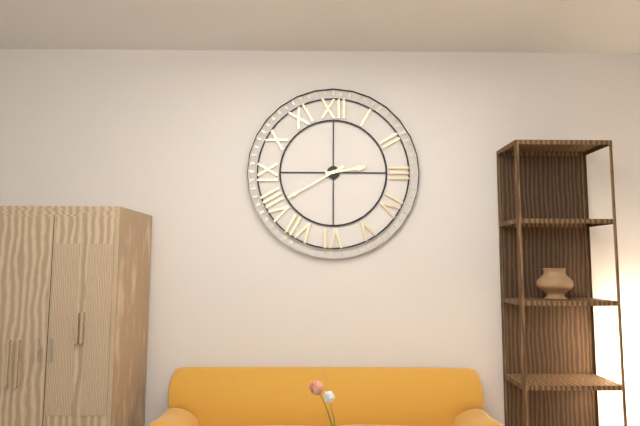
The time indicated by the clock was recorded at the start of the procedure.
2:40
